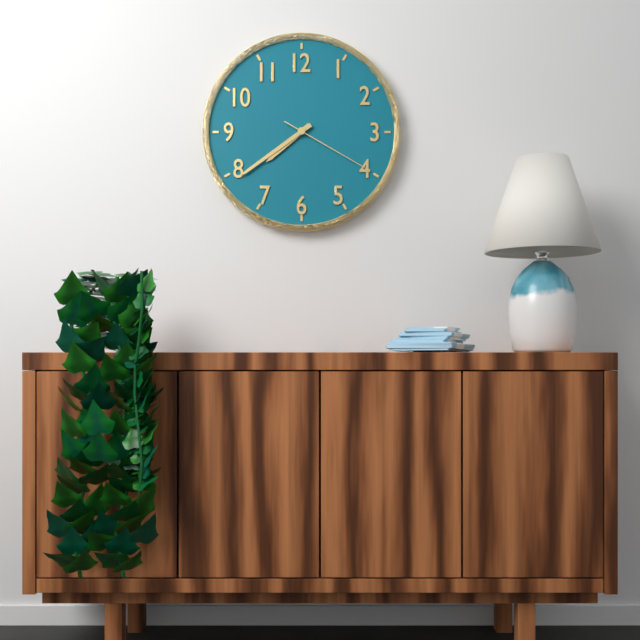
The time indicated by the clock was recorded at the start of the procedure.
7:39:20
